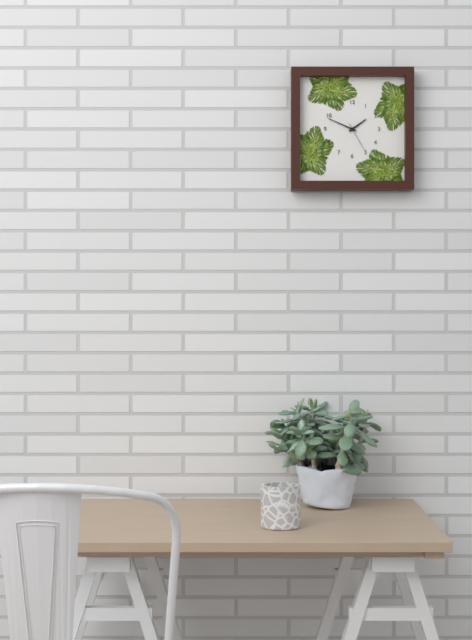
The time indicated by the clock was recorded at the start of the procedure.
1:49
